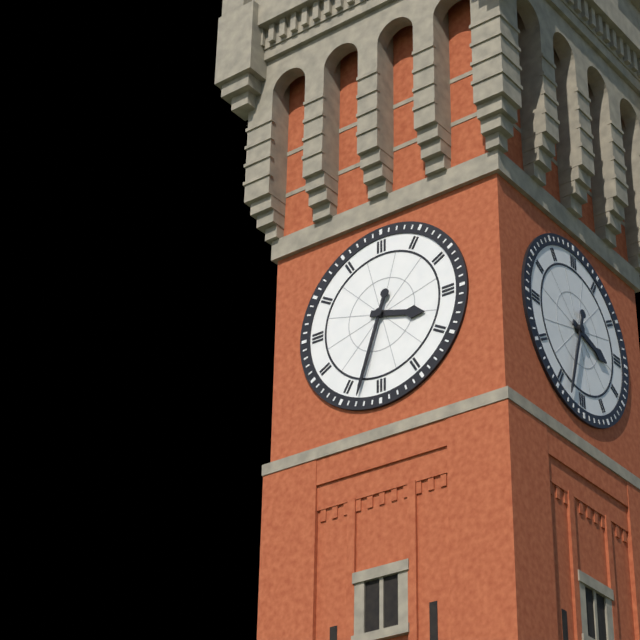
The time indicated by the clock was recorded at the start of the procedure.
3:33
